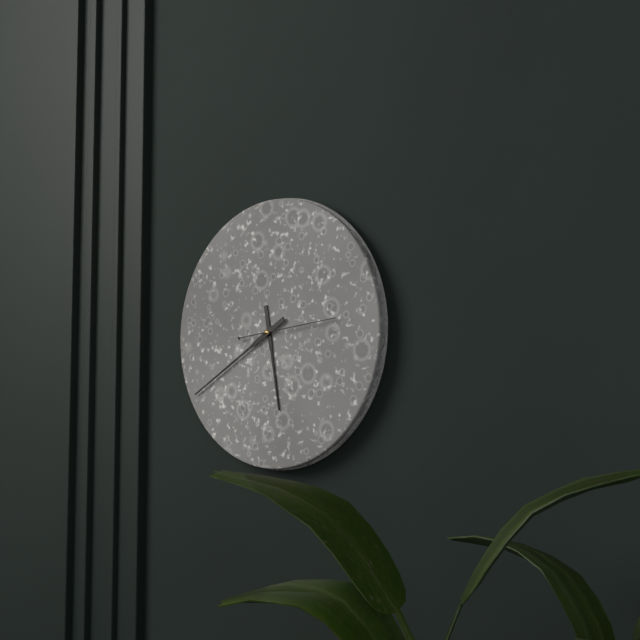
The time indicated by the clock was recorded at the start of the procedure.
5:40:14
